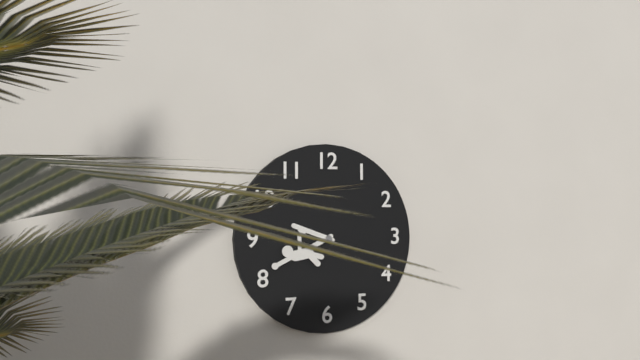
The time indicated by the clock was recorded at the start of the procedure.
9:40
